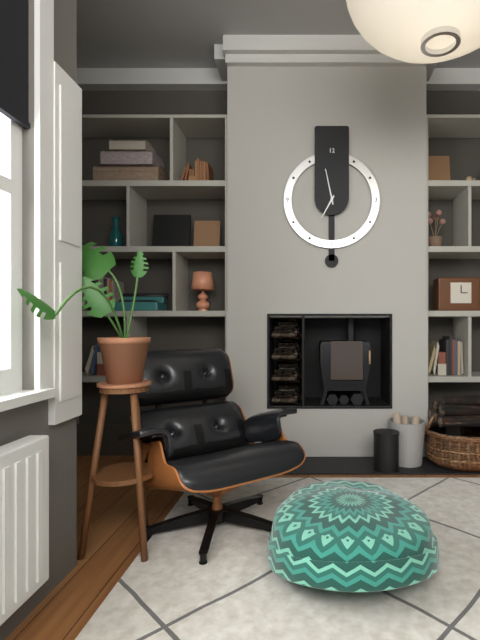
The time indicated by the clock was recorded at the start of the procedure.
6:58
